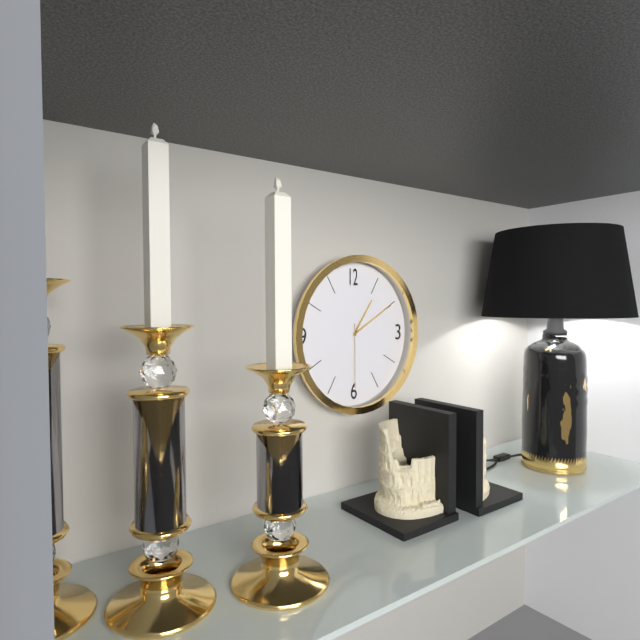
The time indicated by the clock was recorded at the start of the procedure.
1:10:30
